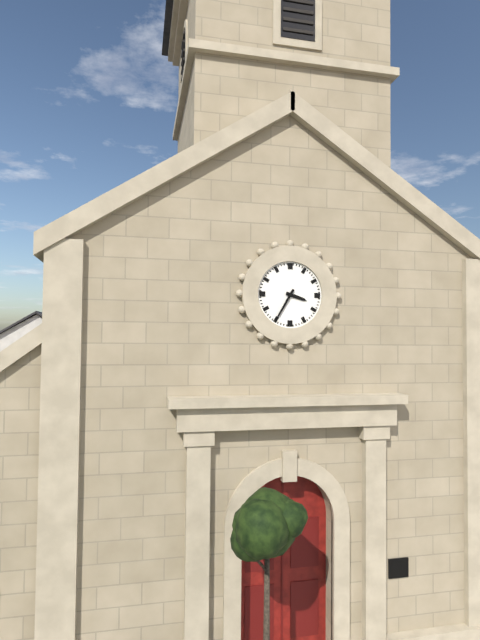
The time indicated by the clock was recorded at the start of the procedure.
3:35
